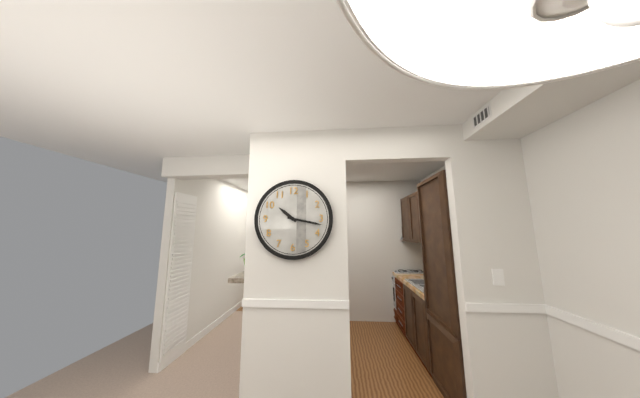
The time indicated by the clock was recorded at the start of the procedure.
10:17
